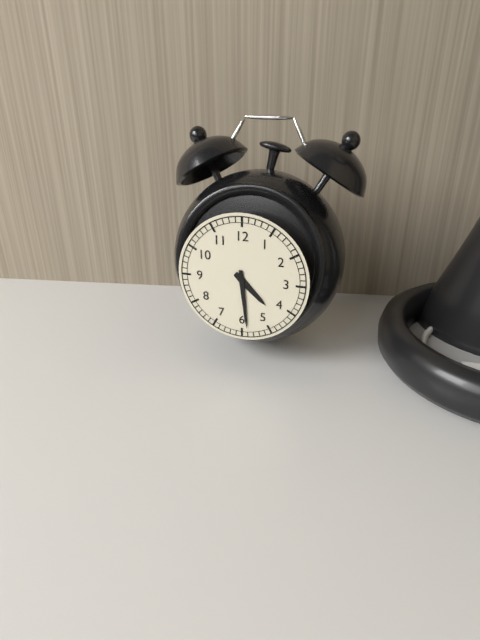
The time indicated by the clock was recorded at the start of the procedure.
4:29
